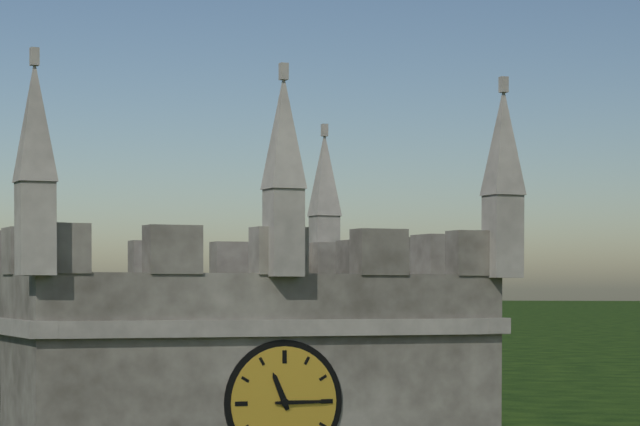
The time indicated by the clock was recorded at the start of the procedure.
11:15
